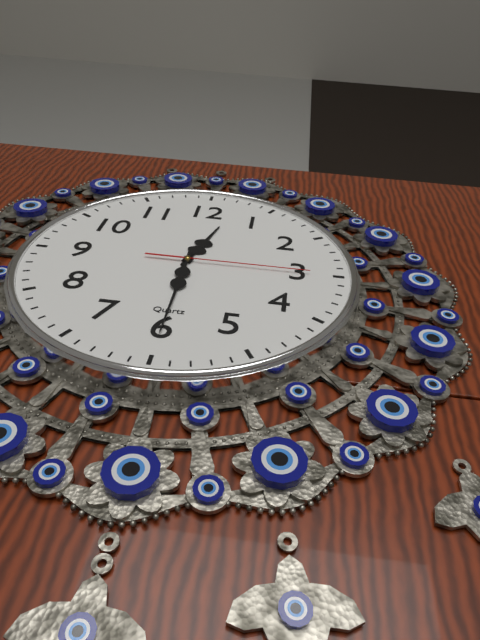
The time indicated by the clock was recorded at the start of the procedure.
12:30:15
